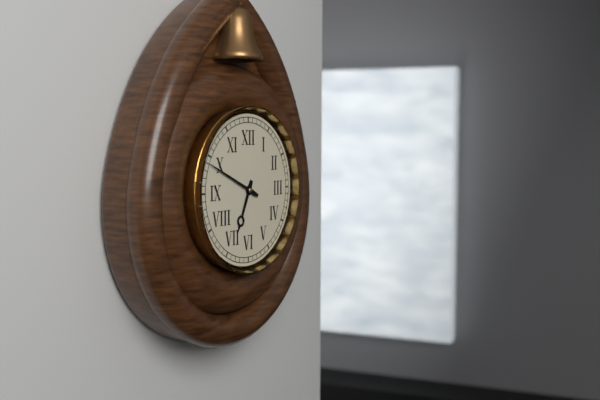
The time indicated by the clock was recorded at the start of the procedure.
6:49
